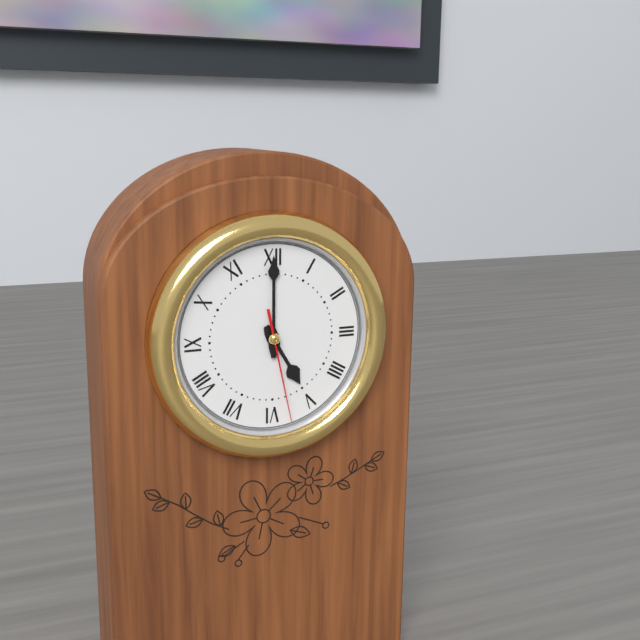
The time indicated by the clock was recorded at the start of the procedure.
5:00:28
